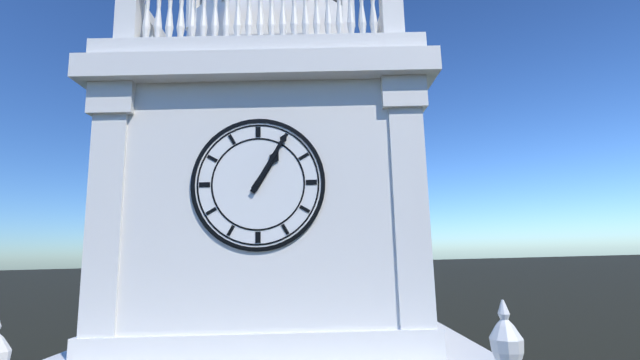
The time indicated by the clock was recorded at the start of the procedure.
1:05
